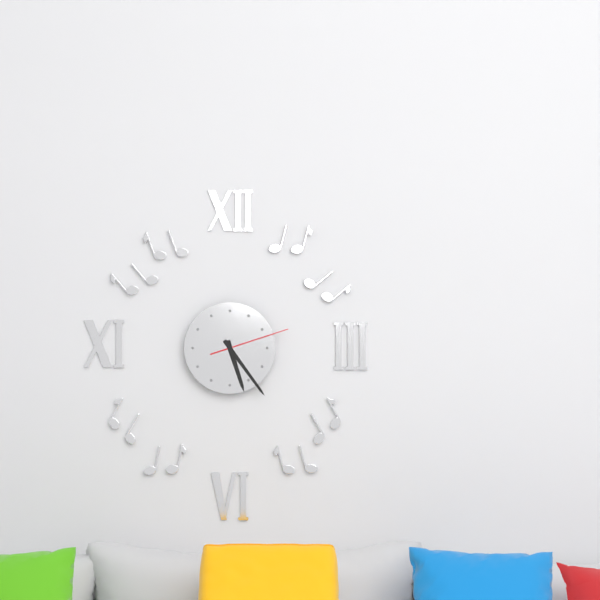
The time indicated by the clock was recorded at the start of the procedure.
5:24:12
